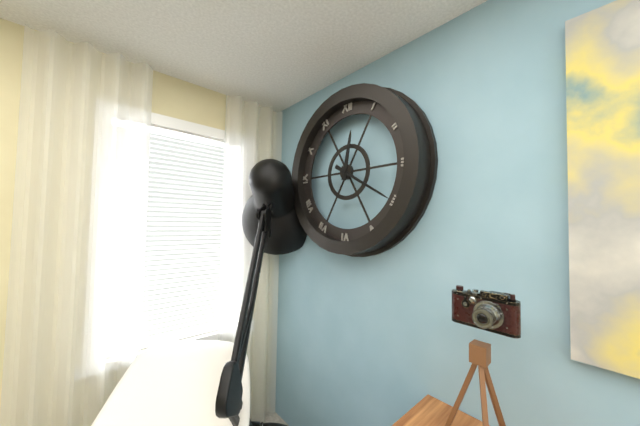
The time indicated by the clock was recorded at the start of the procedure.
12:20
